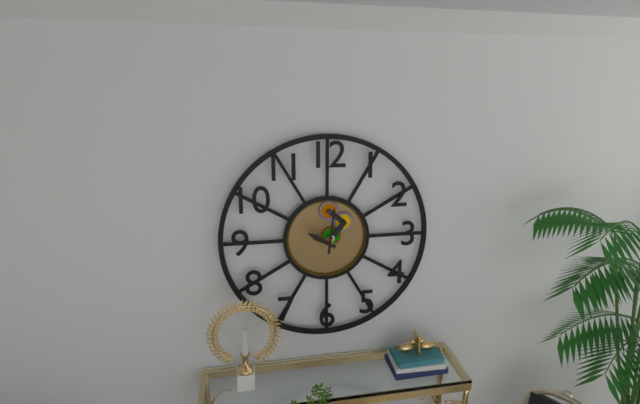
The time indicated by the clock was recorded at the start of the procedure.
10:01
